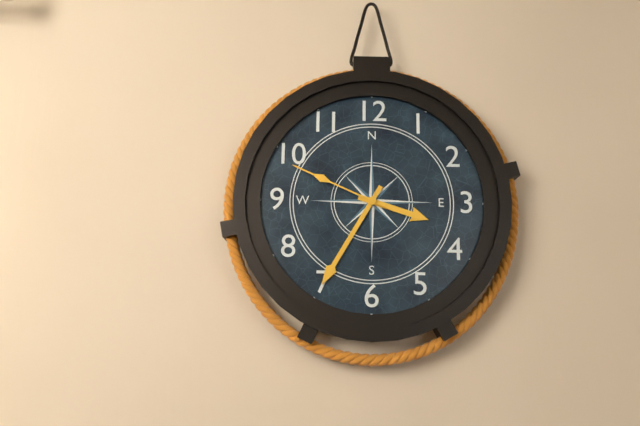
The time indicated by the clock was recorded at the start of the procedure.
3:35:49
